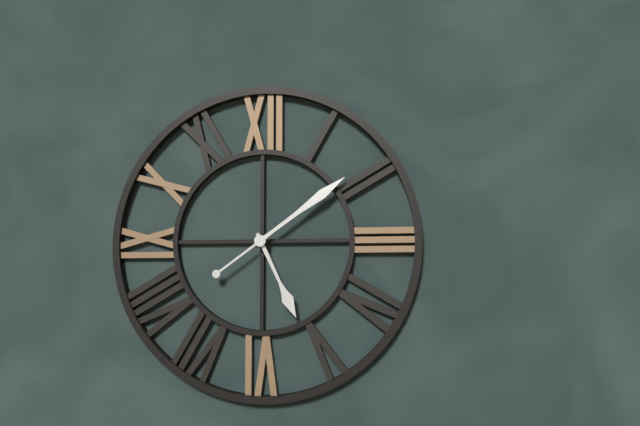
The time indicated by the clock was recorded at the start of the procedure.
5:09
